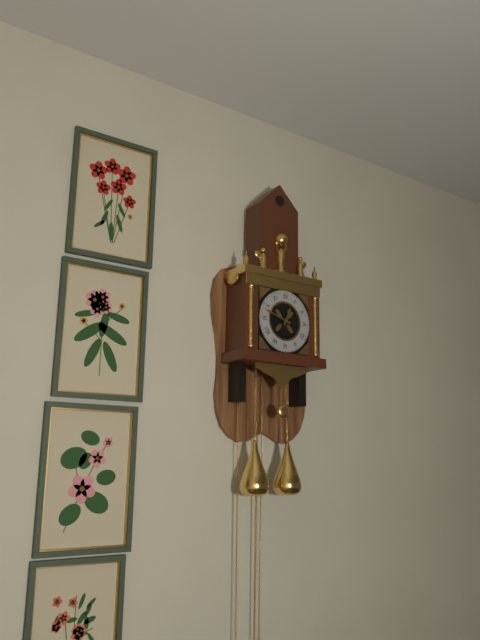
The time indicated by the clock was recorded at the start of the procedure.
12:48
